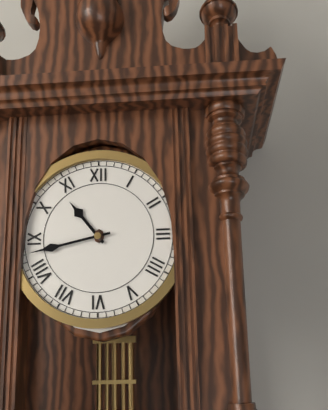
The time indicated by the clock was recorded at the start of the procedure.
10:43
